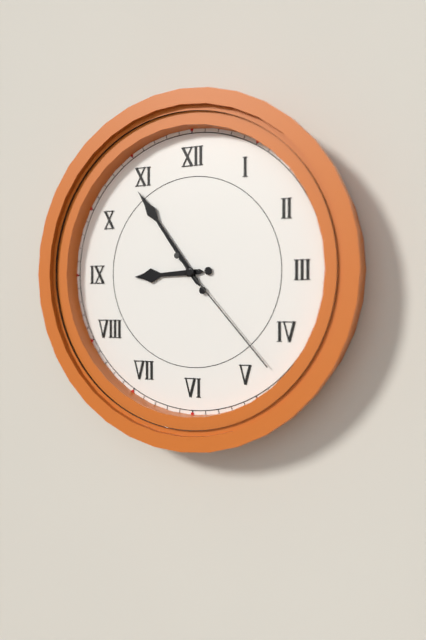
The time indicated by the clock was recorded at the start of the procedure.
8:54:23
